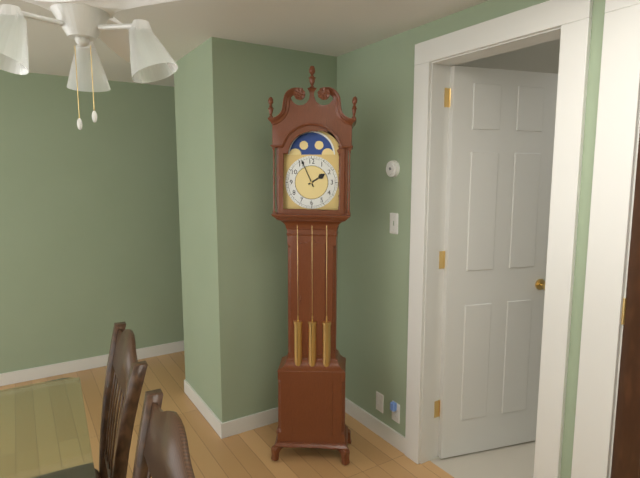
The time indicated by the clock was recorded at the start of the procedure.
1:56
